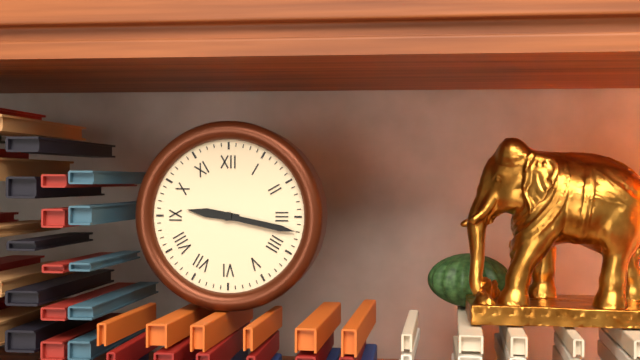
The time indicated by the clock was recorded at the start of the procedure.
9:17
